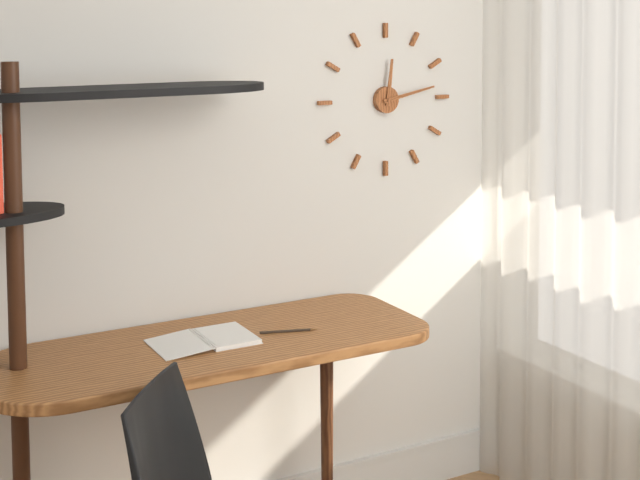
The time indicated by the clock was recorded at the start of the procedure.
12:13
